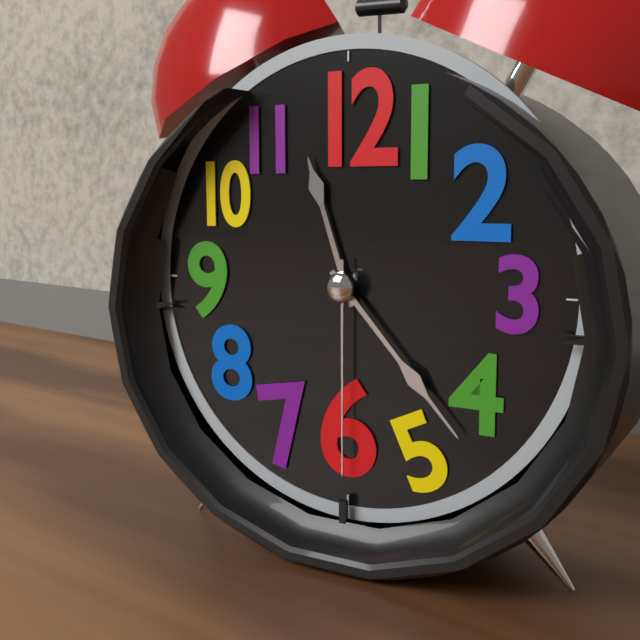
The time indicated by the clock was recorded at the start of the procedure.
11:23:30
